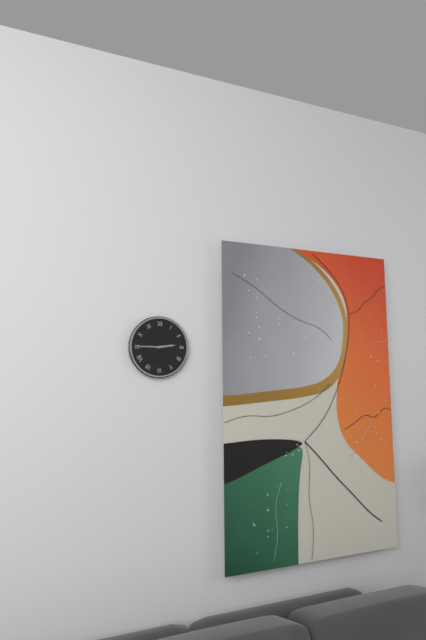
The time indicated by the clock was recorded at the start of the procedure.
2:45
